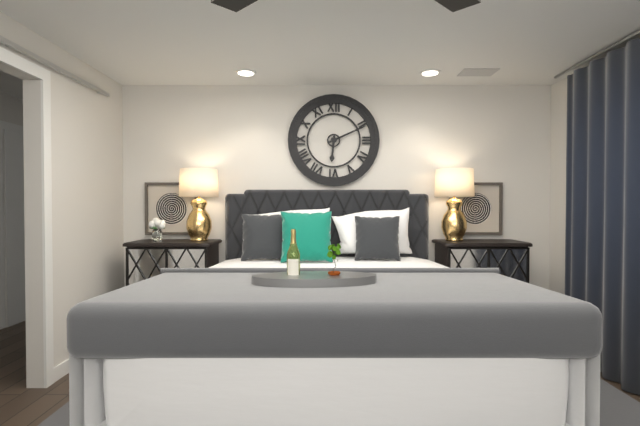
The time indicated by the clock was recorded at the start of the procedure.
6:11
